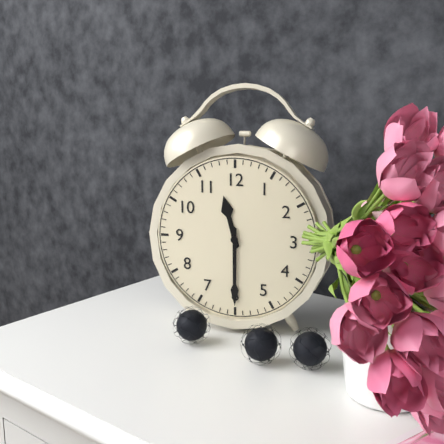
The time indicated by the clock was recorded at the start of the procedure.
11:30
